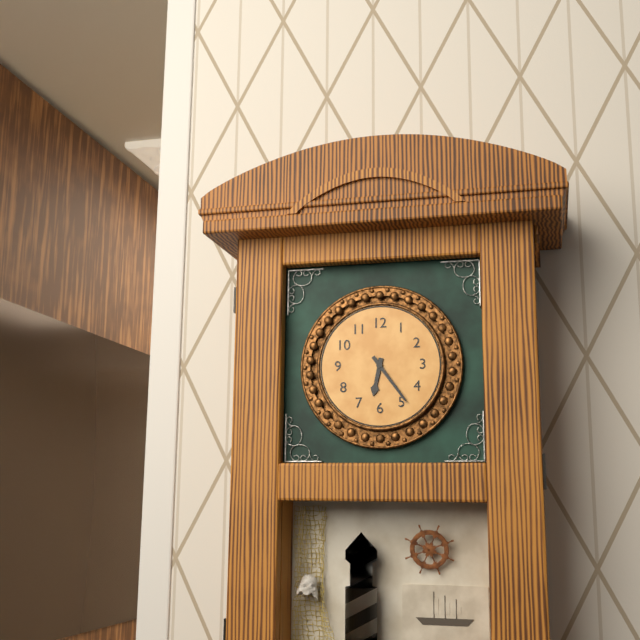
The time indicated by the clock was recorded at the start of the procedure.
6:24
